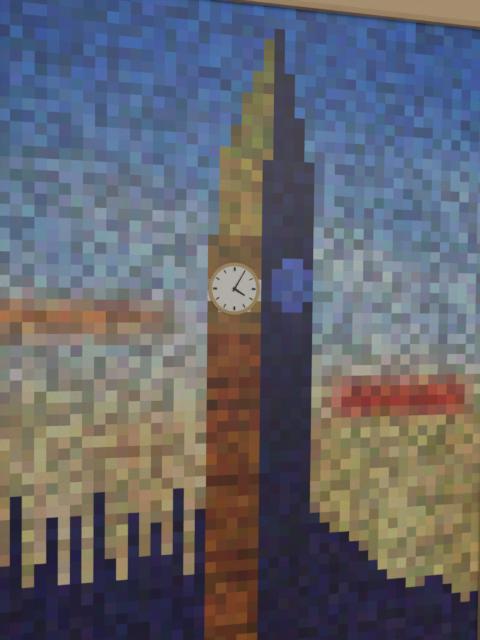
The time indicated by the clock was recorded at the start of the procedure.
4:05
